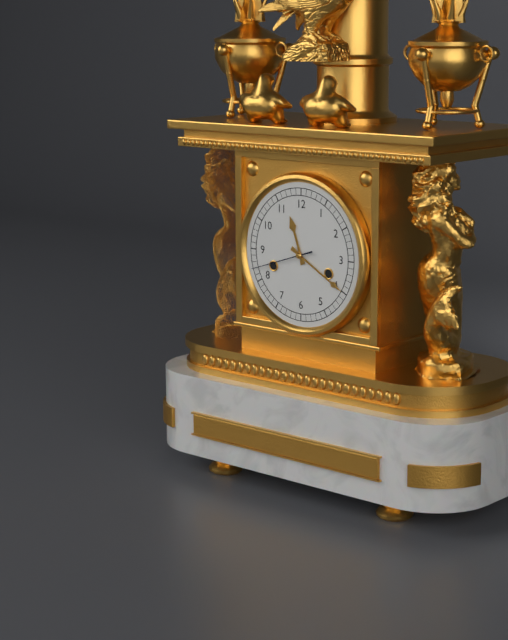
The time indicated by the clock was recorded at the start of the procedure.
11:20:42
